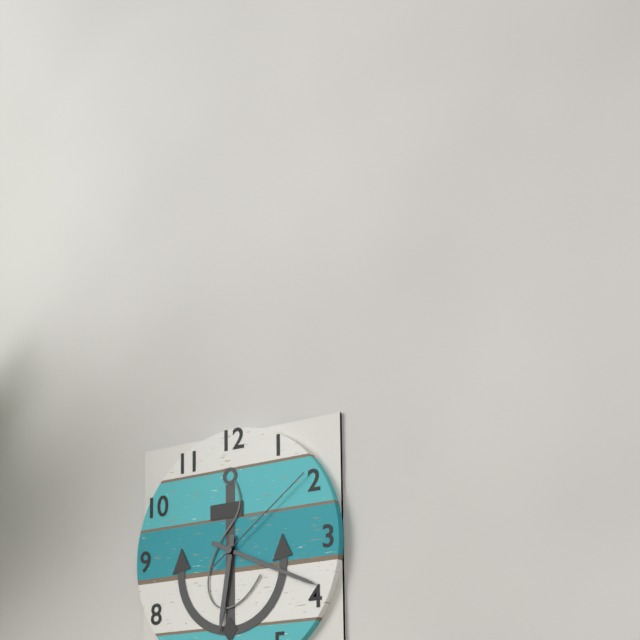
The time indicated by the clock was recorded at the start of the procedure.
6:19:09
